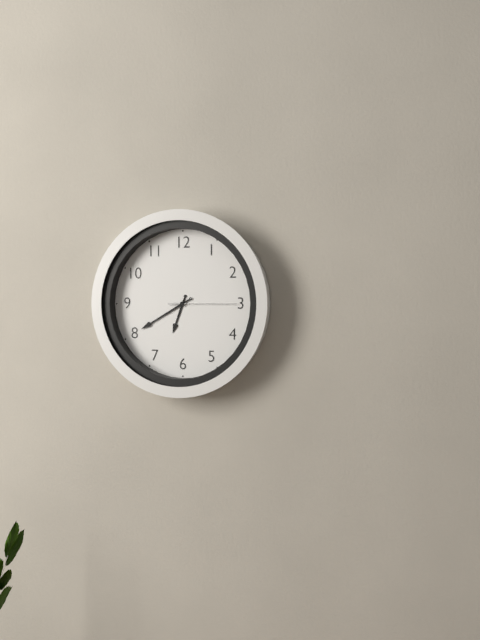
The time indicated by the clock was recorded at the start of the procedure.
6:40:15
